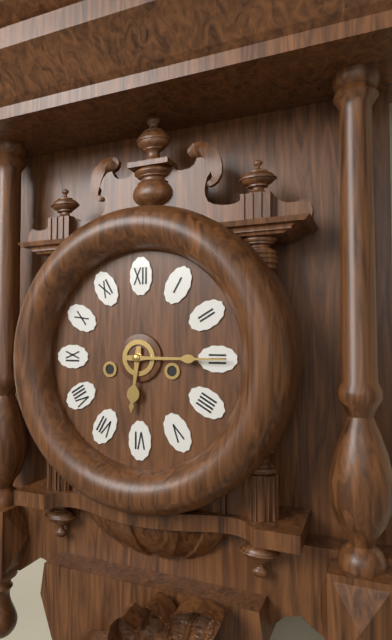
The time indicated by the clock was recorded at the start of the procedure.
6:15
